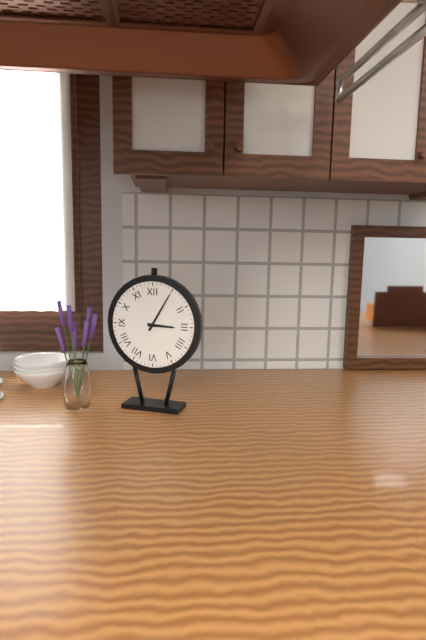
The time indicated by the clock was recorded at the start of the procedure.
3:05
